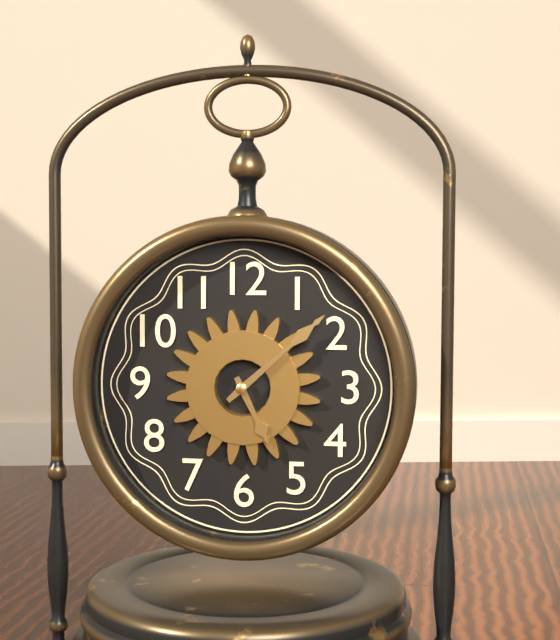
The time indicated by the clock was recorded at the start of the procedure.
5:08
